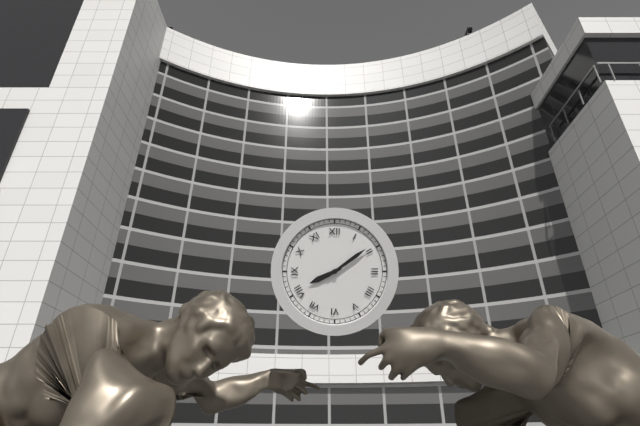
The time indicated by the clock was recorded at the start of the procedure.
8:09
